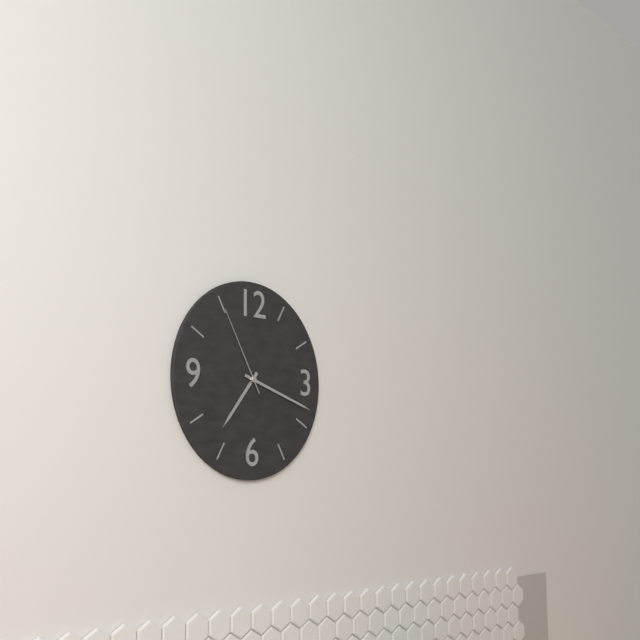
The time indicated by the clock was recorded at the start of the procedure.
7:18:55
